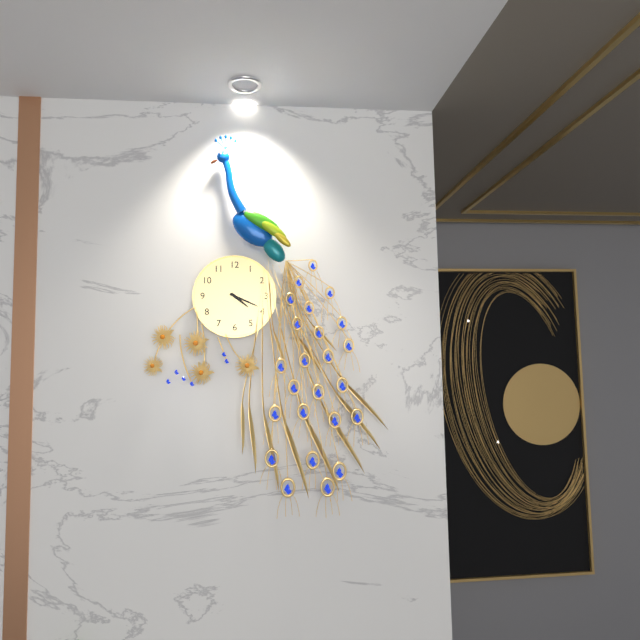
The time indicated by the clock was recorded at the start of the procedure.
4:19
